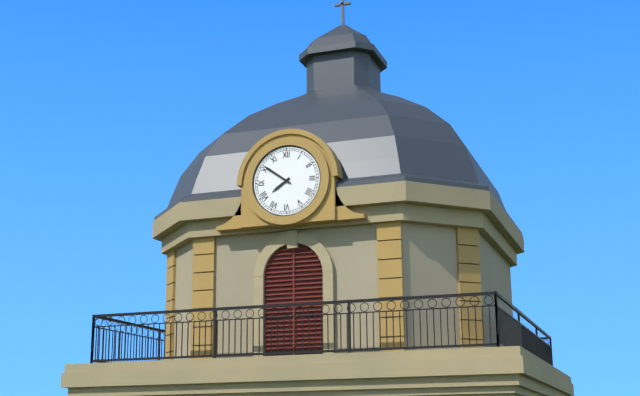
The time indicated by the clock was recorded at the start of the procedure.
7:51
